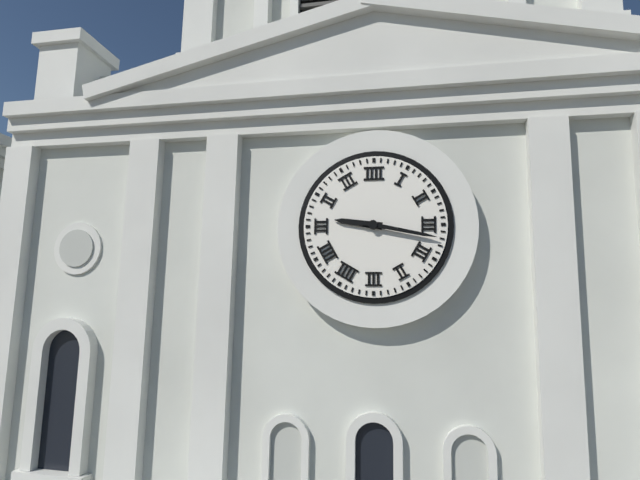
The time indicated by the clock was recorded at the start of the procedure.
9:17
